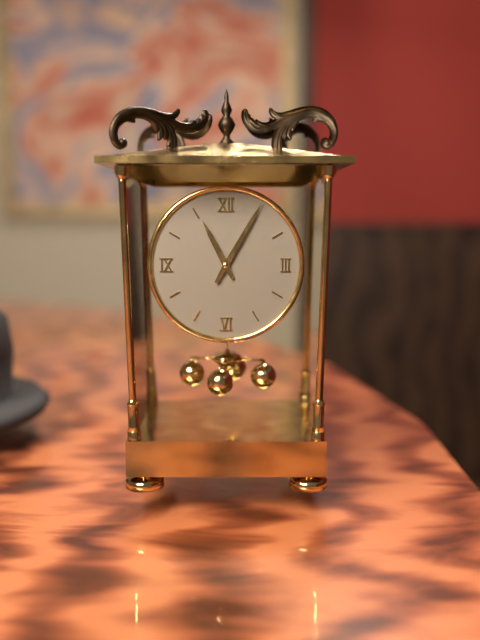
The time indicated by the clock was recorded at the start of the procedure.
11:05
